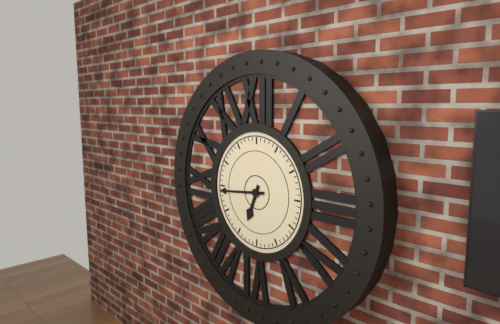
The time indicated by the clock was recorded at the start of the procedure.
6:44
